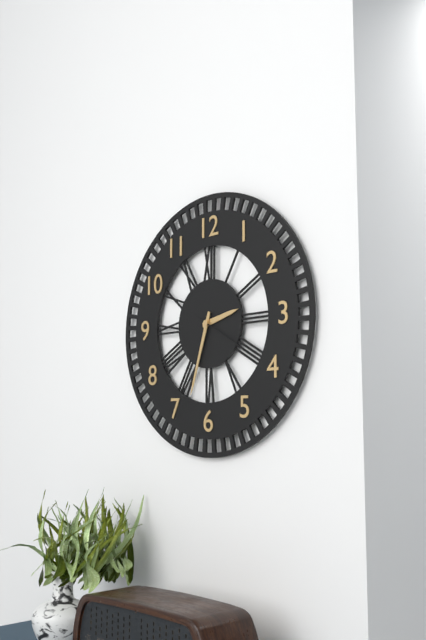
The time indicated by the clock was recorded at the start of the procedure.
2:33
